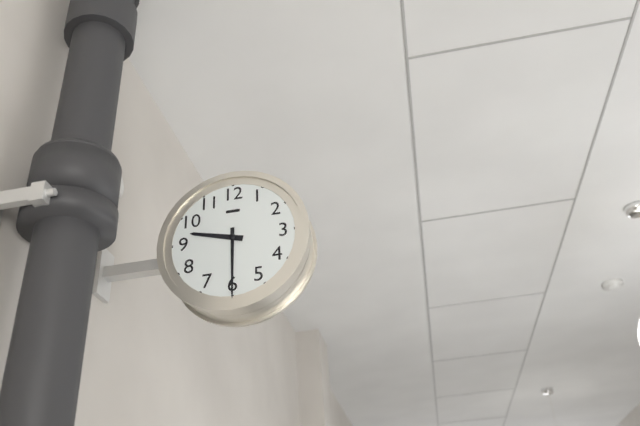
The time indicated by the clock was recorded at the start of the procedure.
9:30
